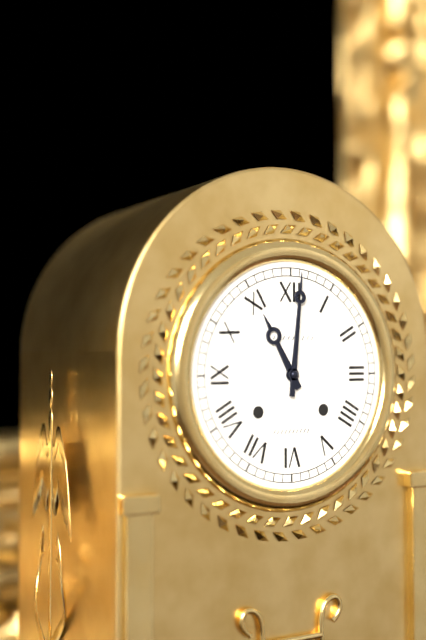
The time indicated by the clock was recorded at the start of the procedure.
11:01
